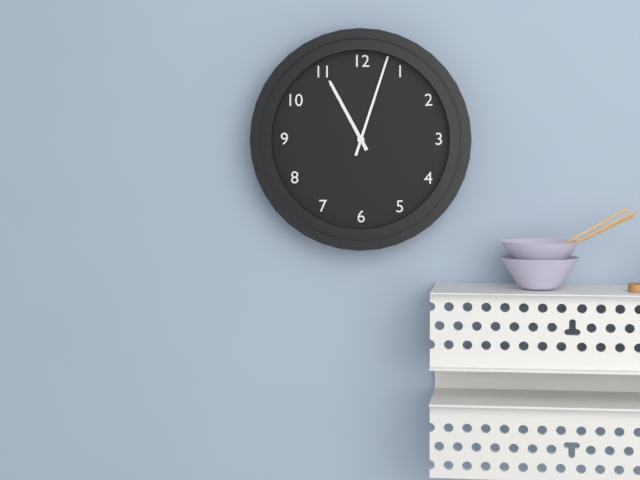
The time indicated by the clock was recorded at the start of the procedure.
11:03
